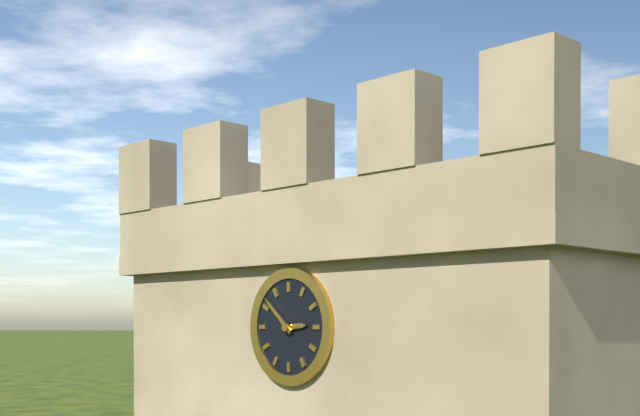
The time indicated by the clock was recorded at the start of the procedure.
2:52
